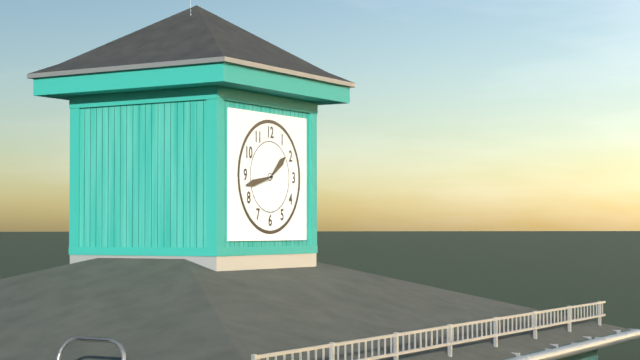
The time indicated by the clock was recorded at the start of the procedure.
1:43
